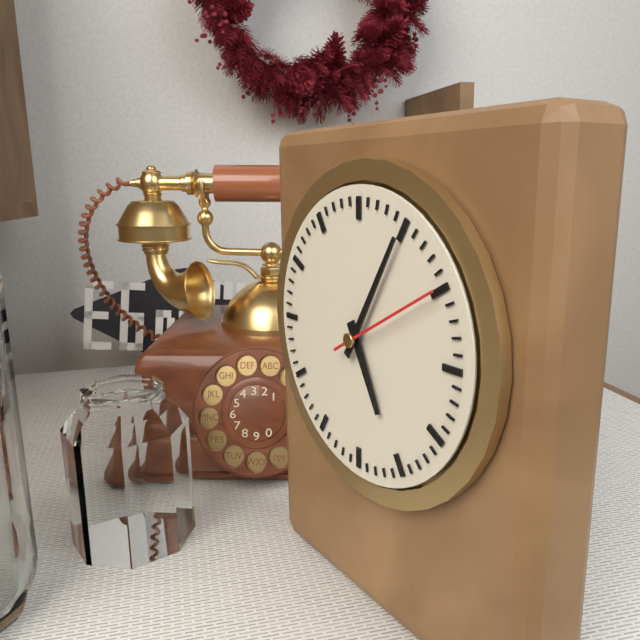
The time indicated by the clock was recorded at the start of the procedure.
5:05:10
